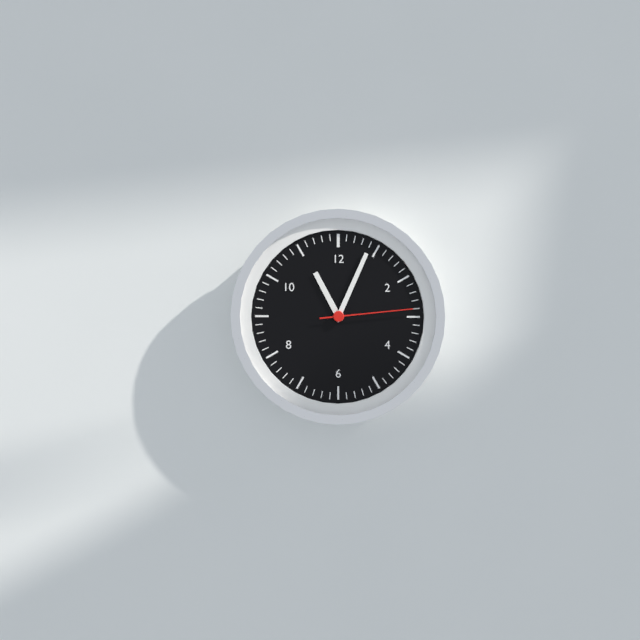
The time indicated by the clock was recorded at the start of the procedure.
11:04:14
